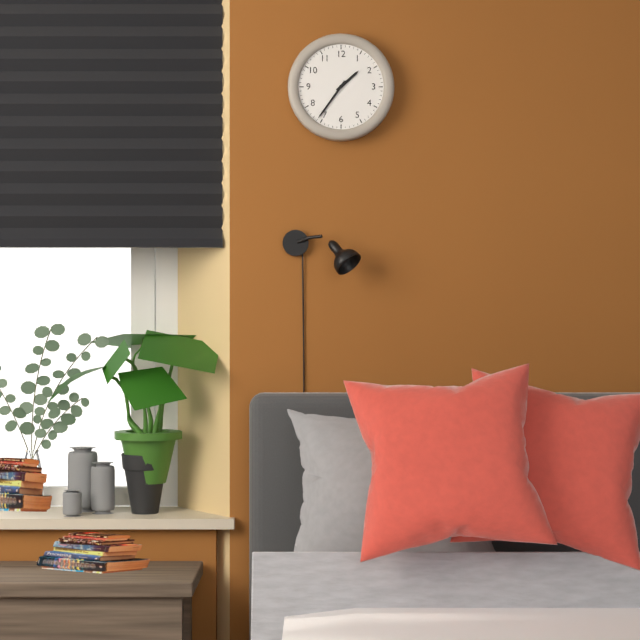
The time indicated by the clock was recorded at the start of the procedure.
1:36
